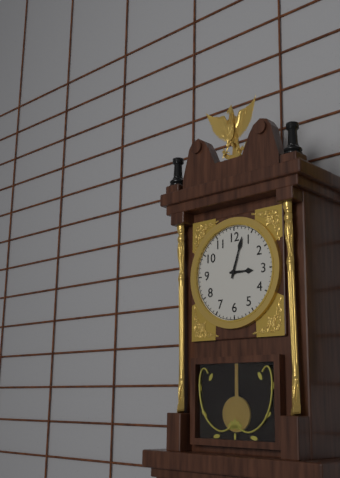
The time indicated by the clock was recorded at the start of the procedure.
3:03
